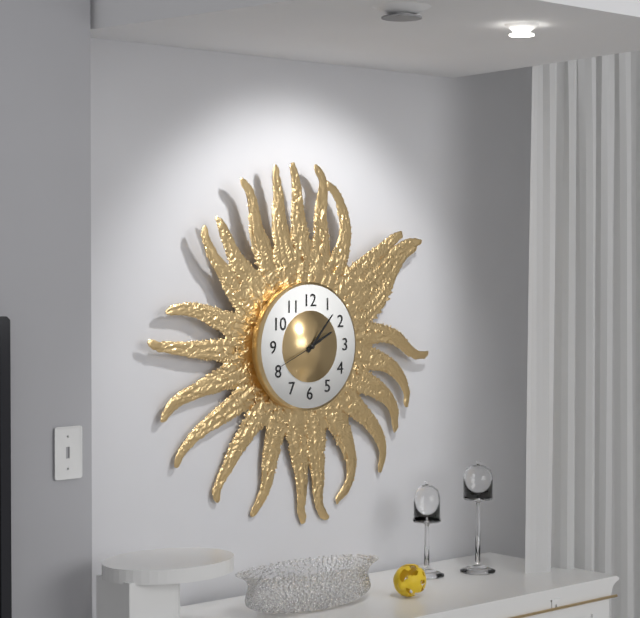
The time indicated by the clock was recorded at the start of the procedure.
2:07
